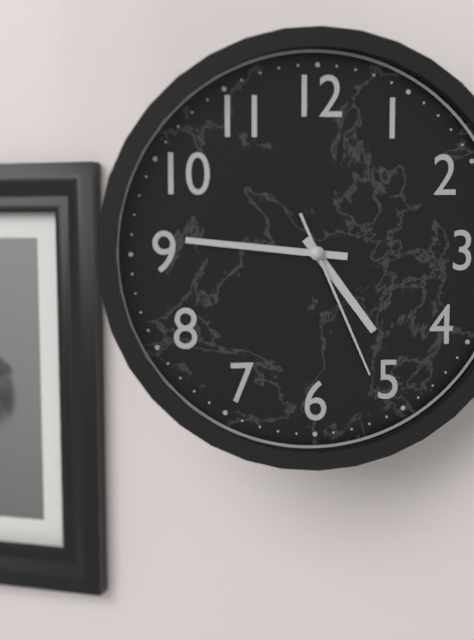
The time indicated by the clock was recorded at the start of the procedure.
4:46:26
